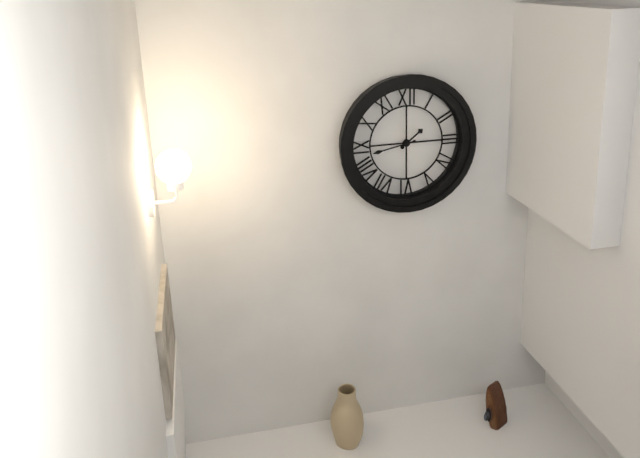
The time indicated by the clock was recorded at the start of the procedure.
1:43
